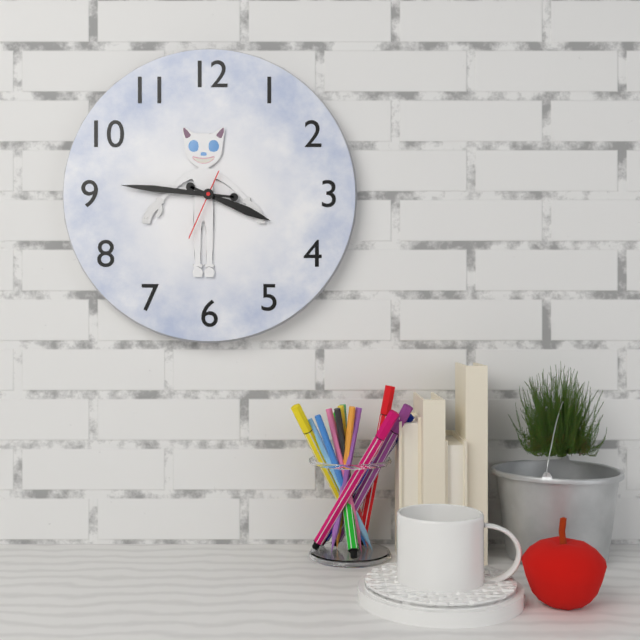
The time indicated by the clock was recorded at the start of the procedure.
3:46:34
